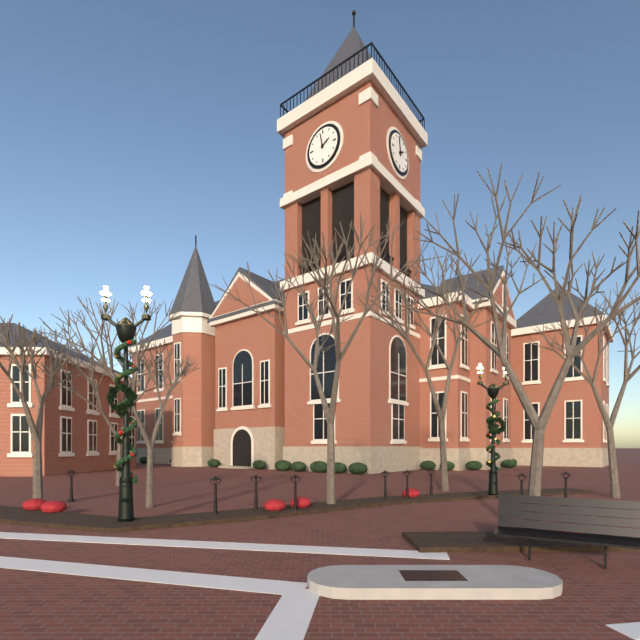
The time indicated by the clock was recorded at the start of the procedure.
1:58
